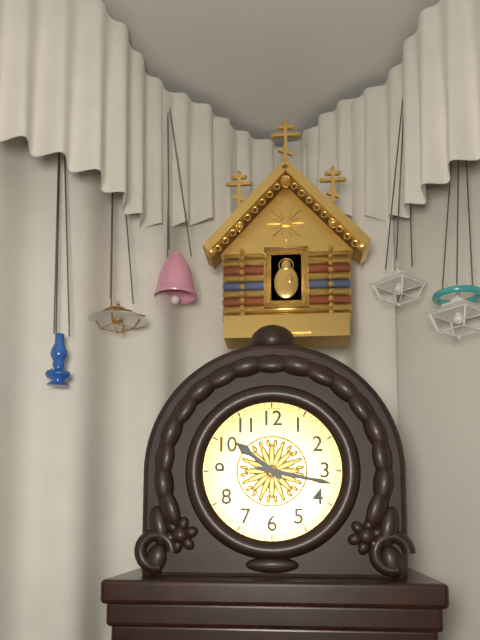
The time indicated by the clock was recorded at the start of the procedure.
10:17
